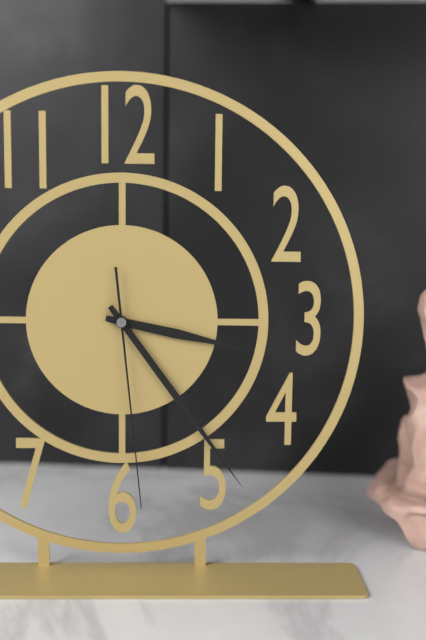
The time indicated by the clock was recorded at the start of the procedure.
3:24:29
